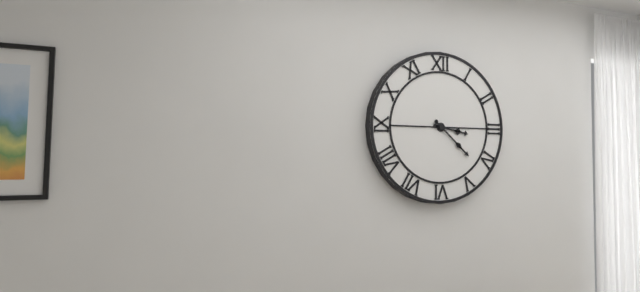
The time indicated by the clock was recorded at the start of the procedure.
3:22
